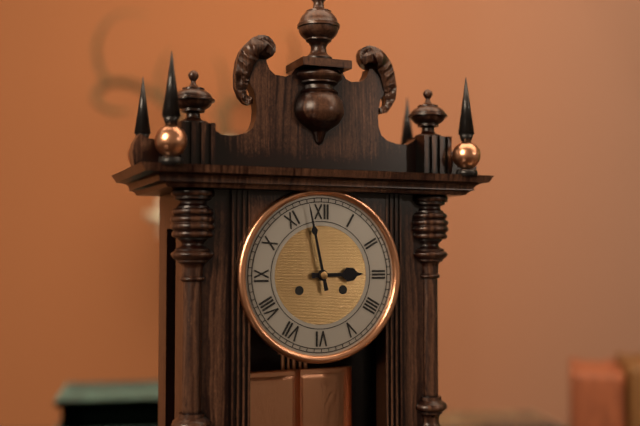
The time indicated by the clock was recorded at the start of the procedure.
2:58
